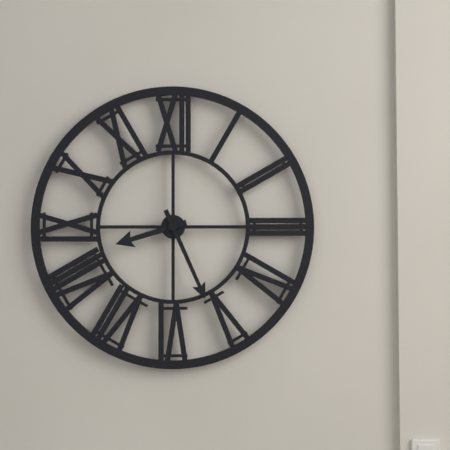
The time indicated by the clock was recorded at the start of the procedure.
8:26
